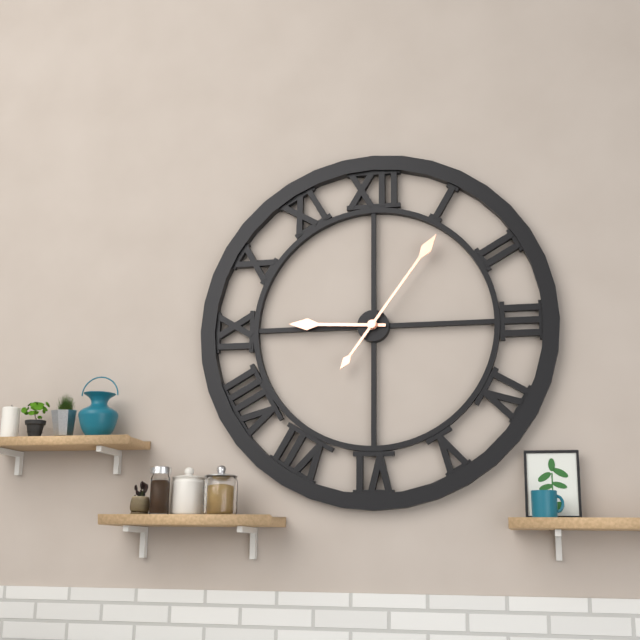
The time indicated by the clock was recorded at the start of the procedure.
9:06
